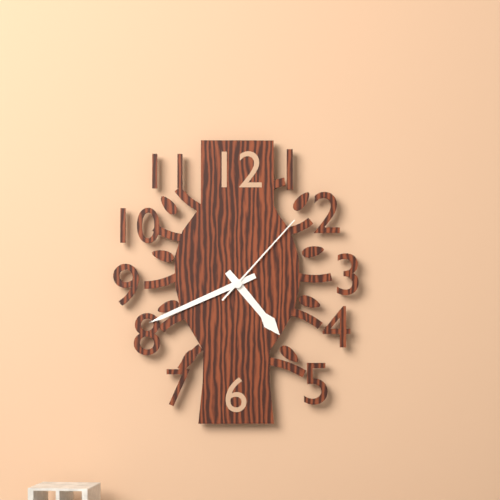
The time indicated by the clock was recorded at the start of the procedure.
4:41:07
